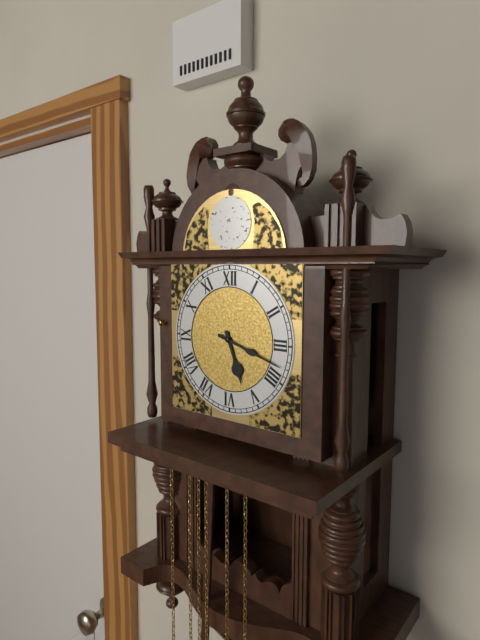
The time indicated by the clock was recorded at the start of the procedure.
5:18
